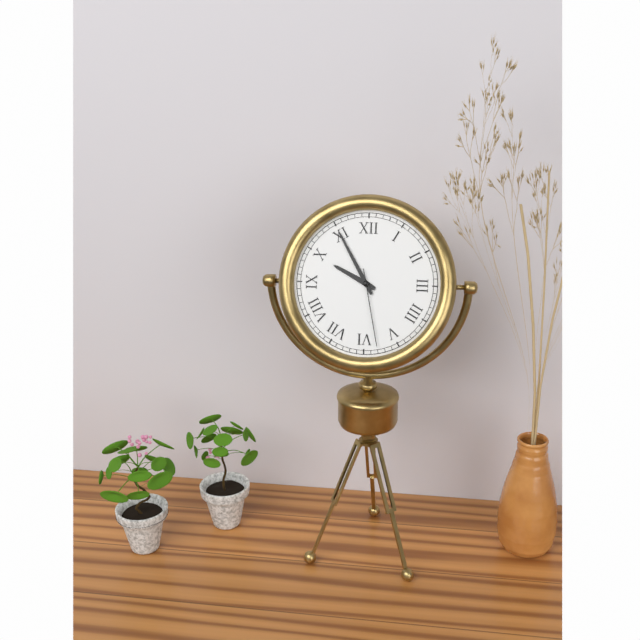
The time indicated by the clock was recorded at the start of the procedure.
9:55:28
